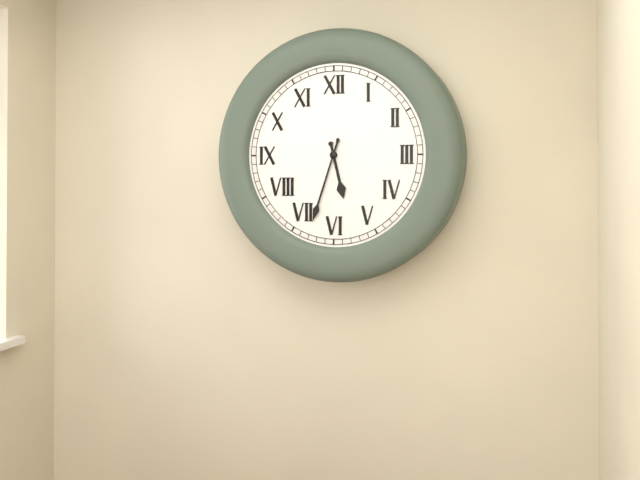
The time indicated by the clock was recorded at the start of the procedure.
5:33
